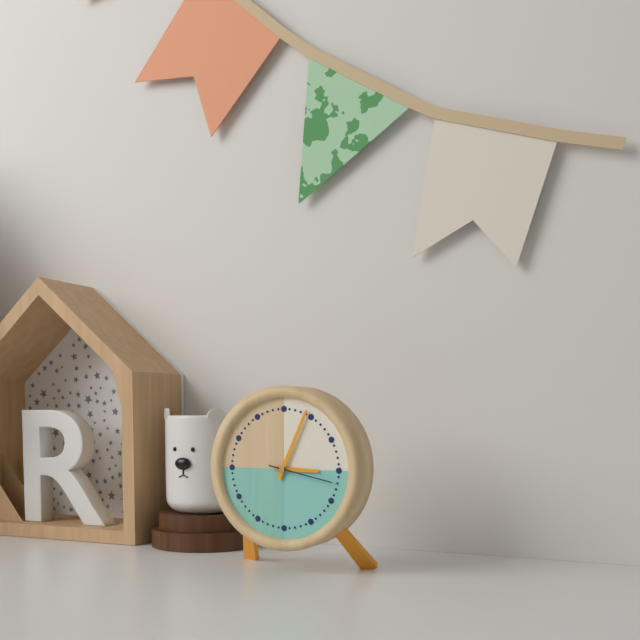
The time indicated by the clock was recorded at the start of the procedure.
3:04:17
